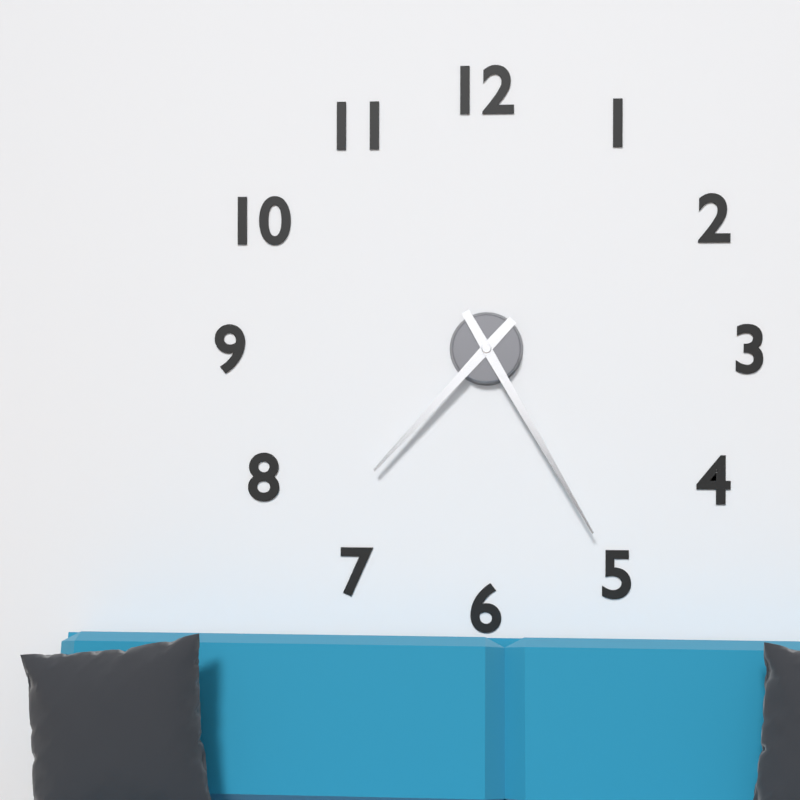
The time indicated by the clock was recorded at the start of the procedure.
7:25
